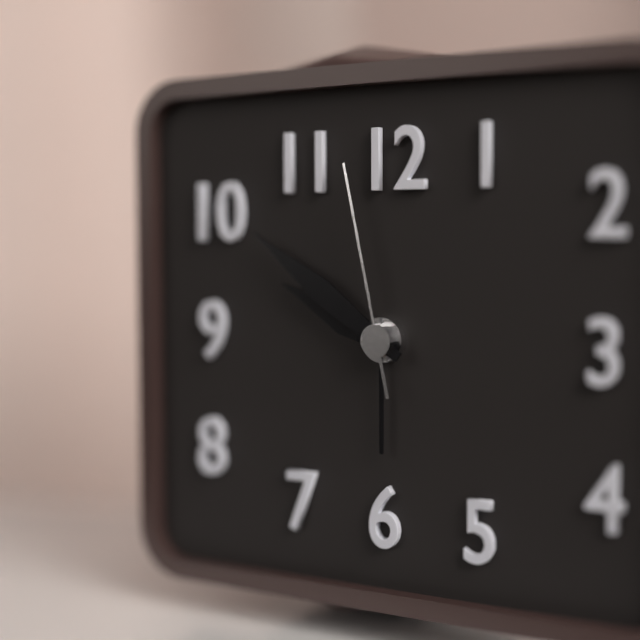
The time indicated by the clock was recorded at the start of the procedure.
9:51:58
